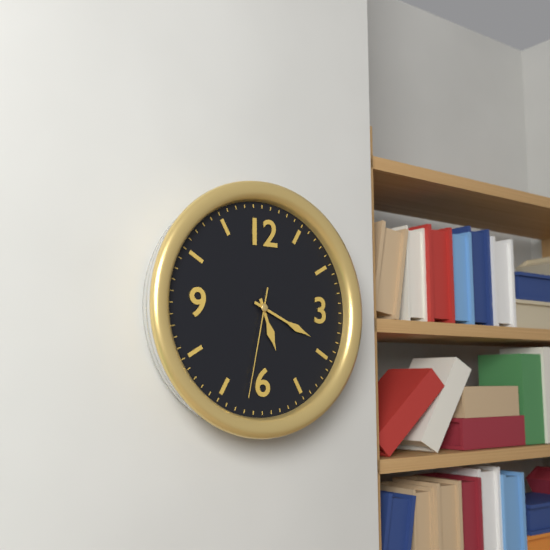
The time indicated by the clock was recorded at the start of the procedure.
5:19:32
